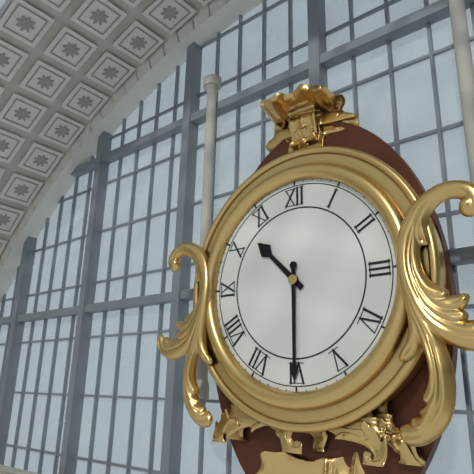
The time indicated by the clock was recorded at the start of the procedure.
10:30
